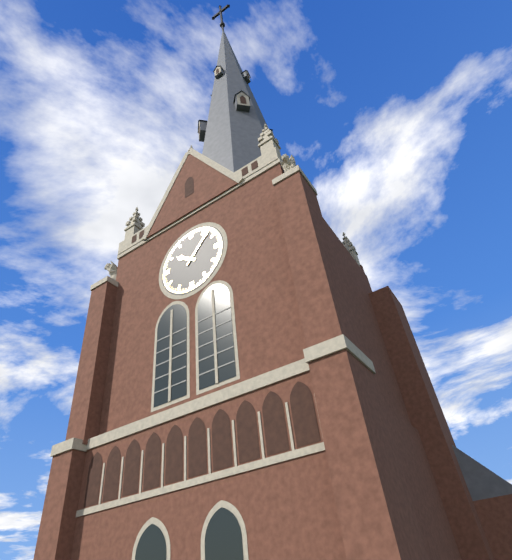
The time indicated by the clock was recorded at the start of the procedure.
10:07
